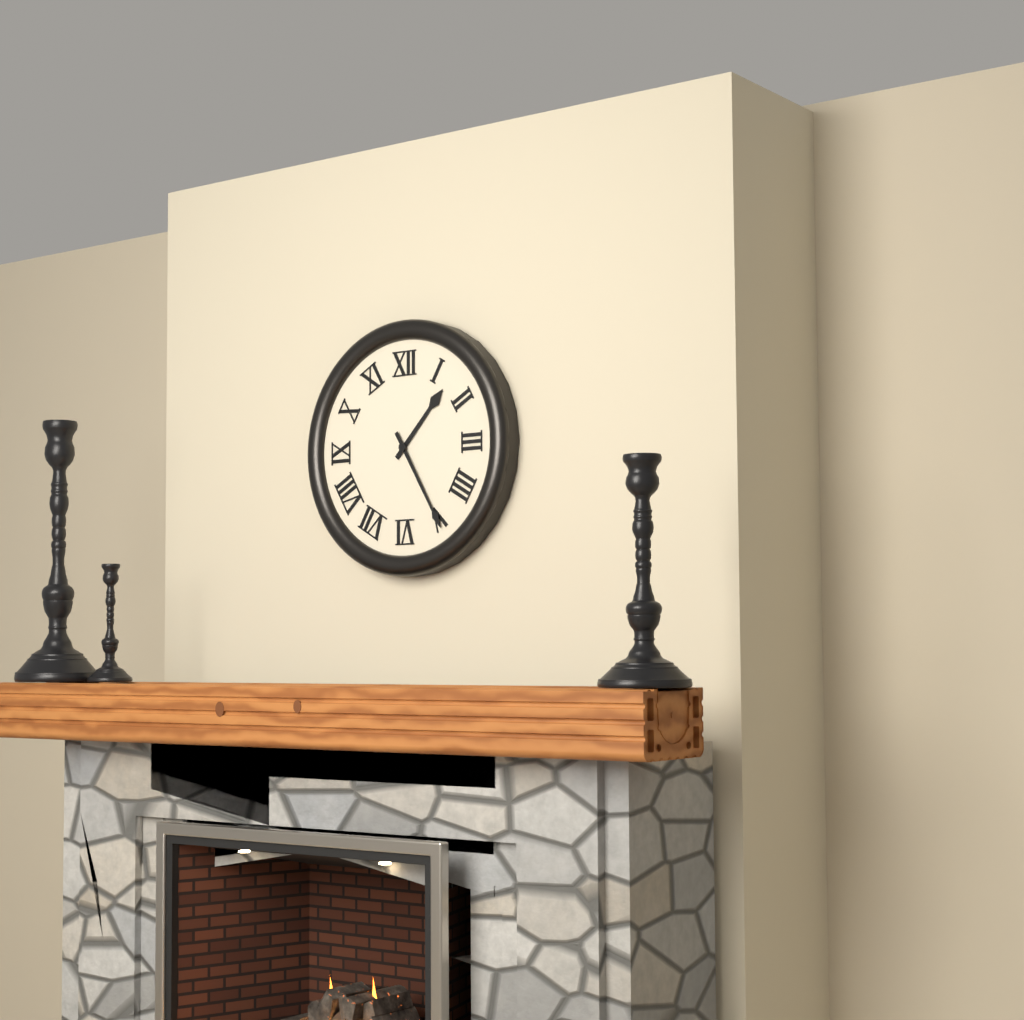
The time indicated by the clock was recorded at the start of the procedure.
1:25
